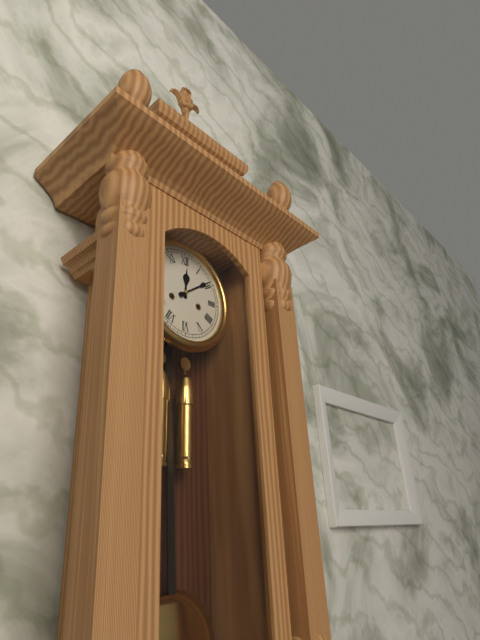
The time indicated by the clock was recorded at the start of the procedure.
12:09
